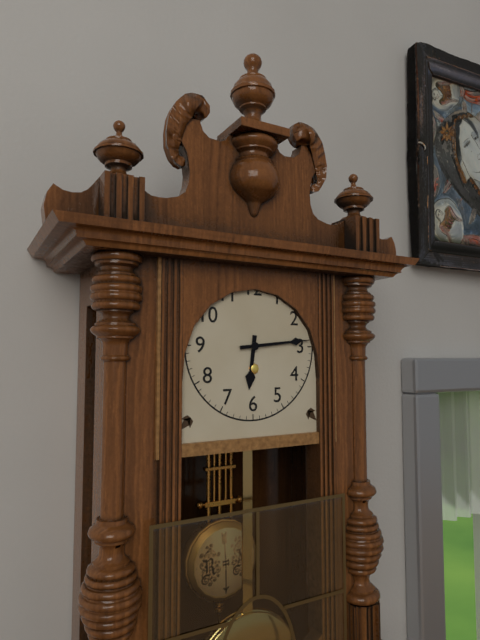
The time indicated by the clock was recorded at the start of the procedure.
6:14
